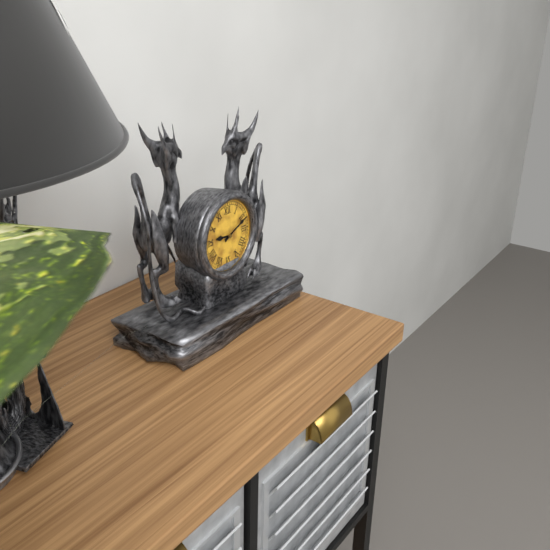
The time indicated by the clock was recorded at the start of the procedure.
9:11
